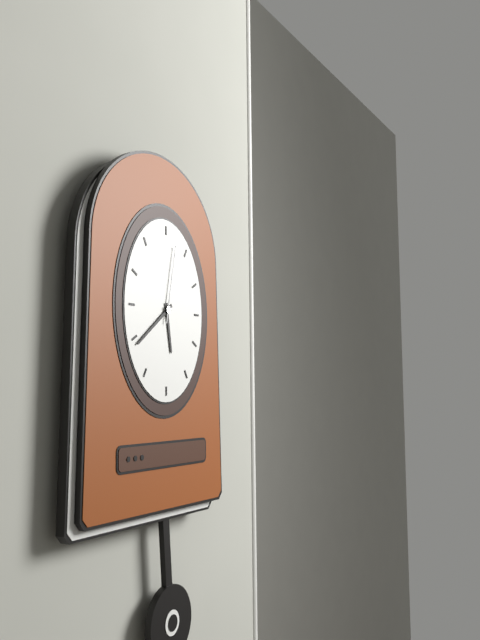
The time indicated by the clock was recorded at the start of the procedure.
5:39:02
